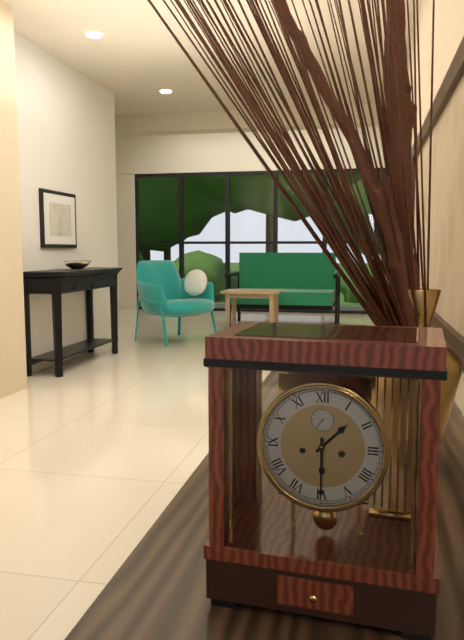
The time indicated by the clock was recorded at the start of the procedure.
1:30
